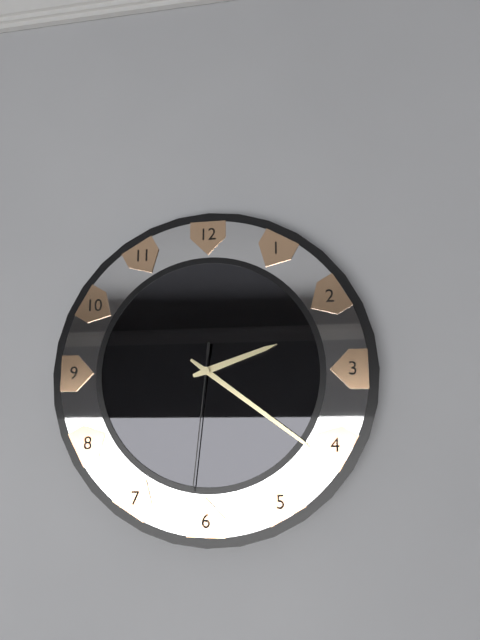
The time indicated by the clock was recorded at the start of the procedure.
2:21:31
